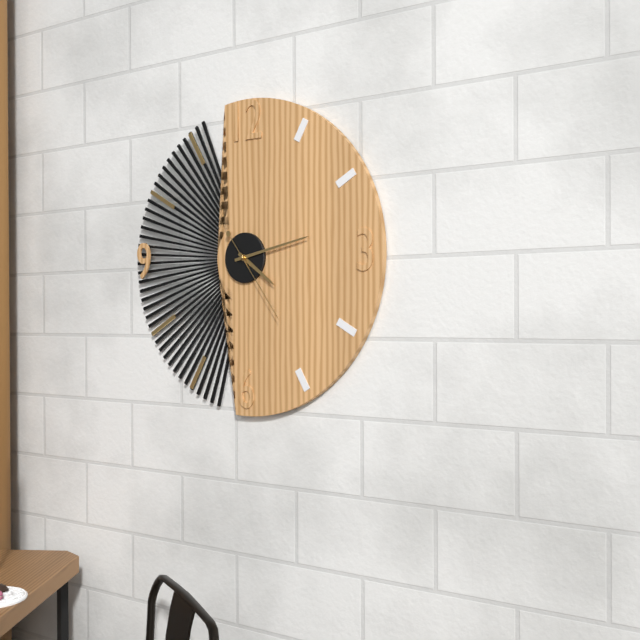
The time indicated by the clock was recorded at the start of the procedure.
4:13:24
